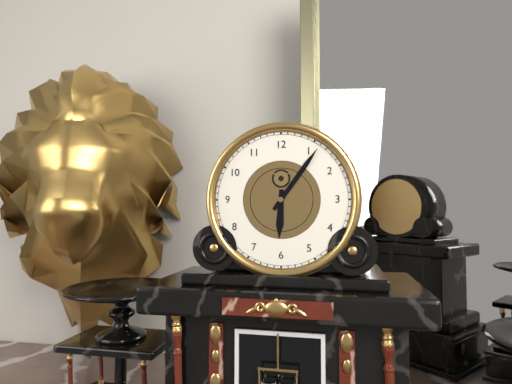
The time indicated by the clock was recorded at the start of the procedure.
6:06
